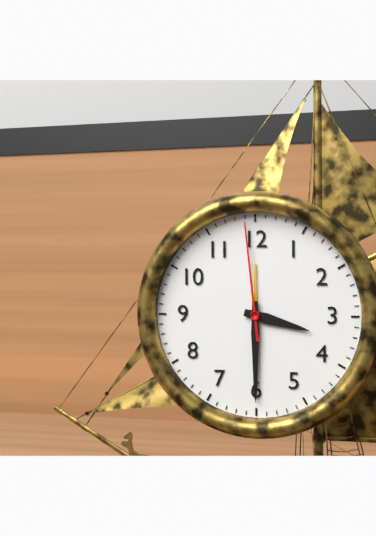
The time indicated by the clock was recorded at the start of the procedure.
3:30:59
